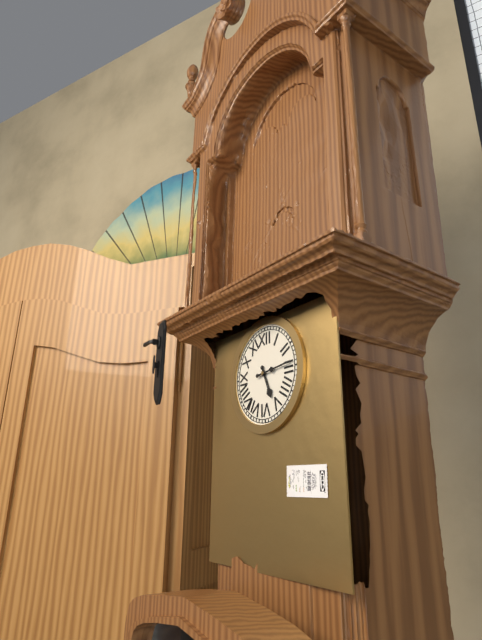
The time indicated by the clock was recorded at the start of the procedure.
5:14
